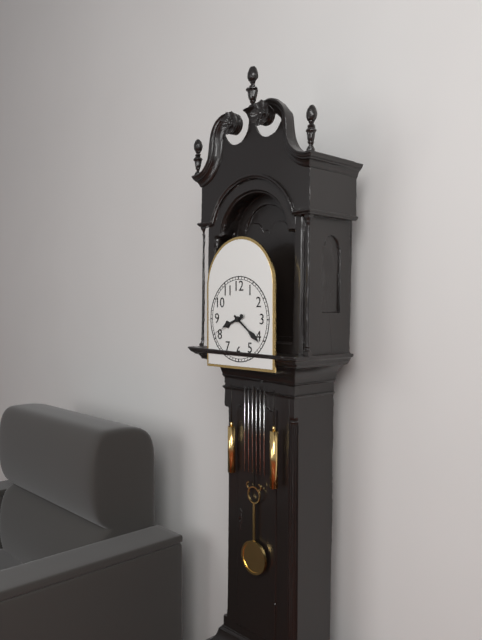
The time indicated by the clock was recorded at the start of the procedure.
8:21
